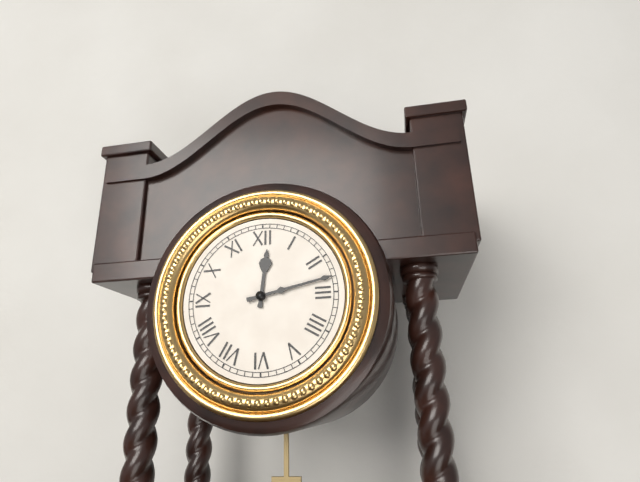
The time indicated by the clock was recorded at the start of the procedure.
12:13
